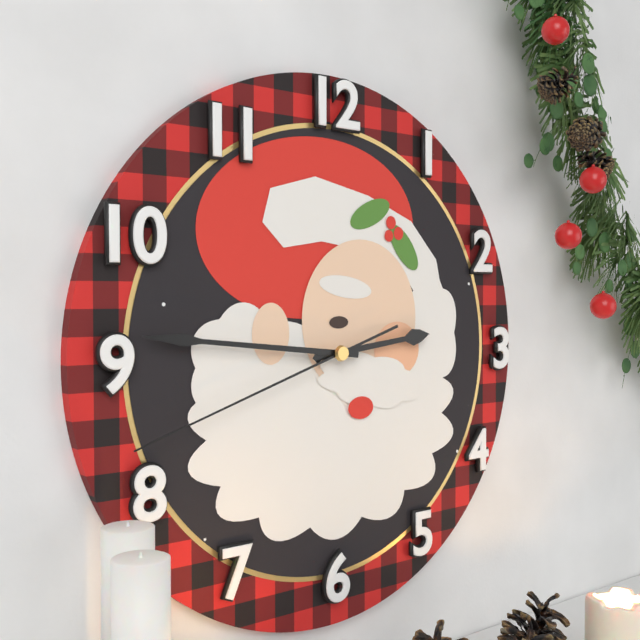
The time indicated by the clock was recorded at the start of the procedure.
2:46:42
